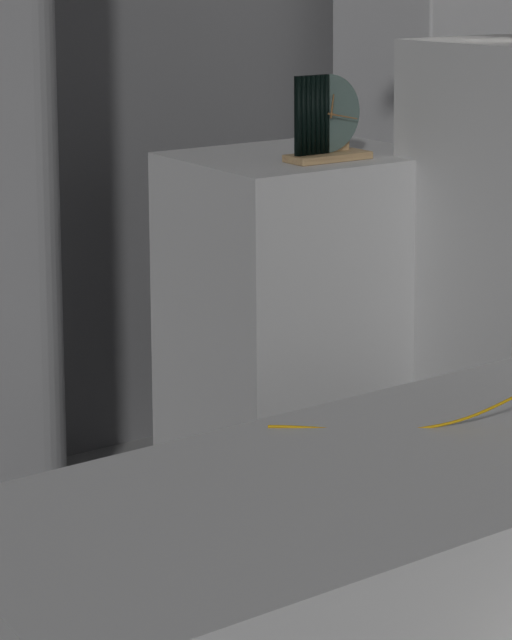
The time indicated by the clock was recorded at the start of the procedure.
12:17
